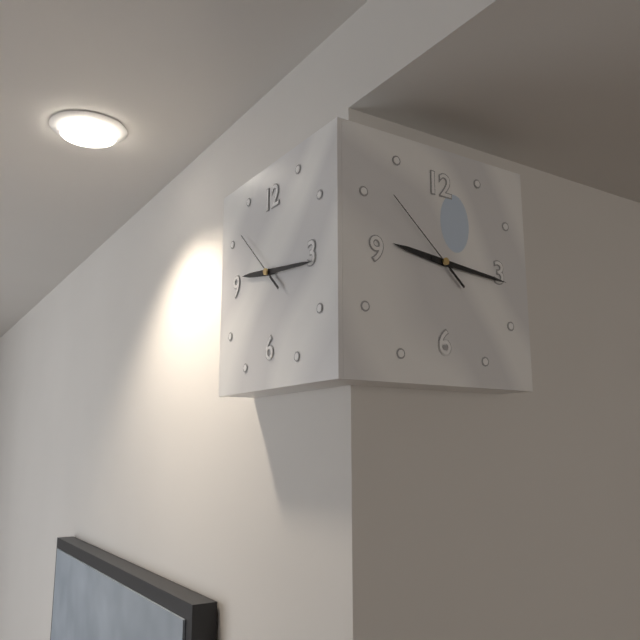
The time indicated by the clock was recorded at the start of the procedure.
9:16:52
